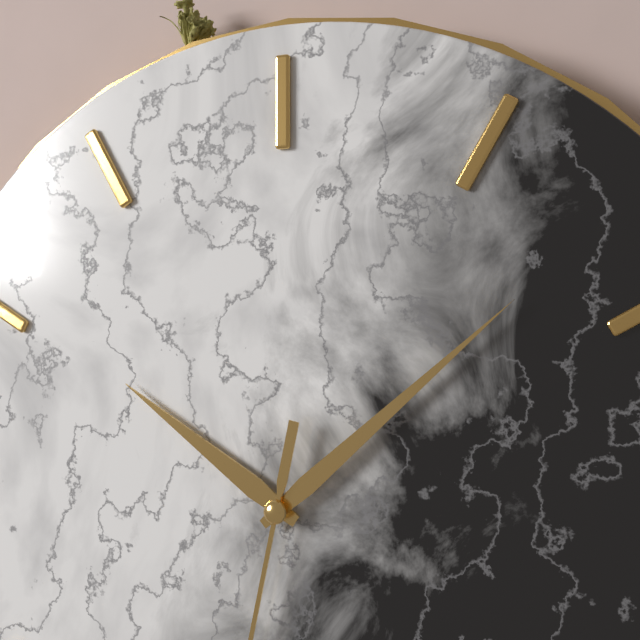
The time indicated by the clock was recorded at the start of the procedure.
10:08
